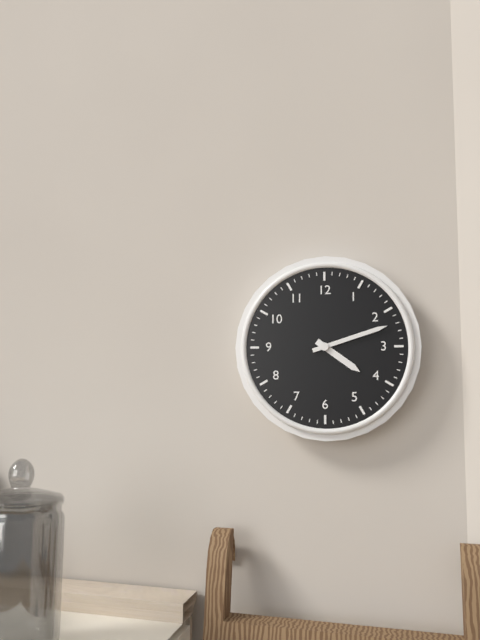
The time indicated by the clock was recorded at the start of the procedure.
4:12
